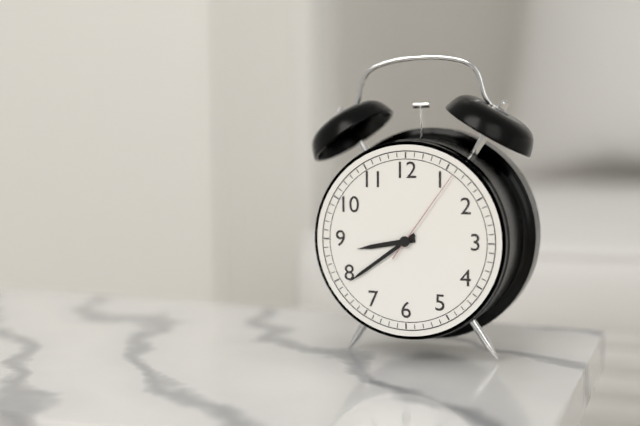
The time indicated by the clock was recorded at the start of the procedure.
8:39:06
